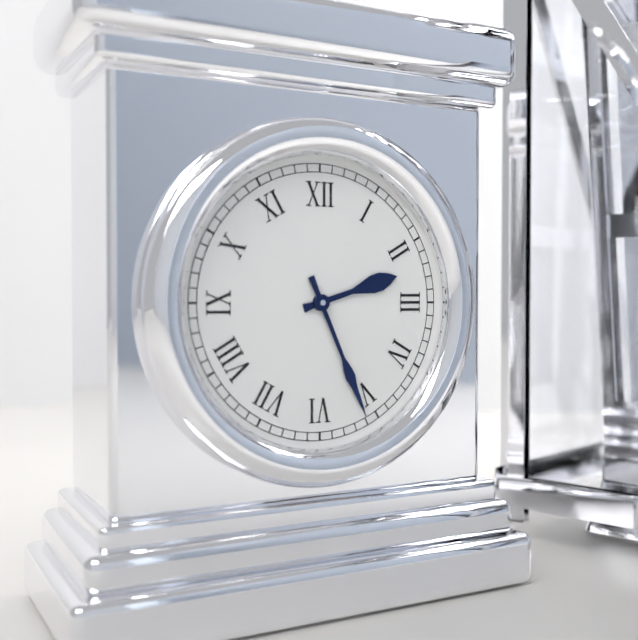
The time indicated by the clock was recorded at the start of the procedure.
2:26
